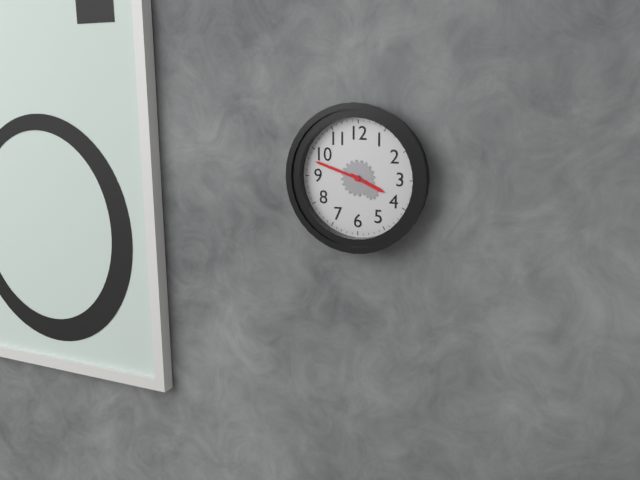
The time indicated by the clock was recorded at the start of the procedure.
3:48
